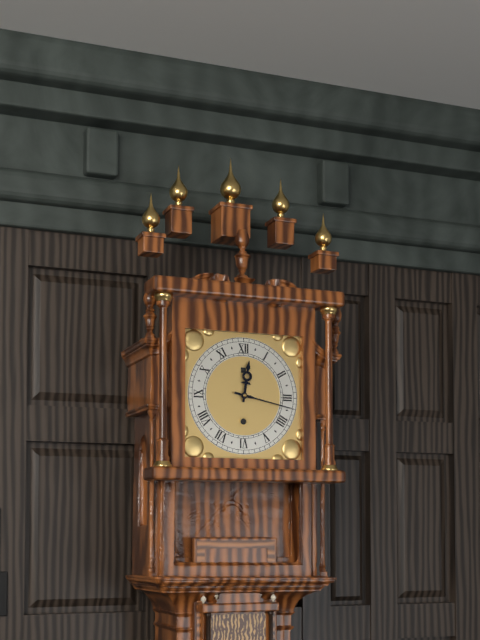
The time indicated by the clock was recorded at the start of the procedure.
12:17
